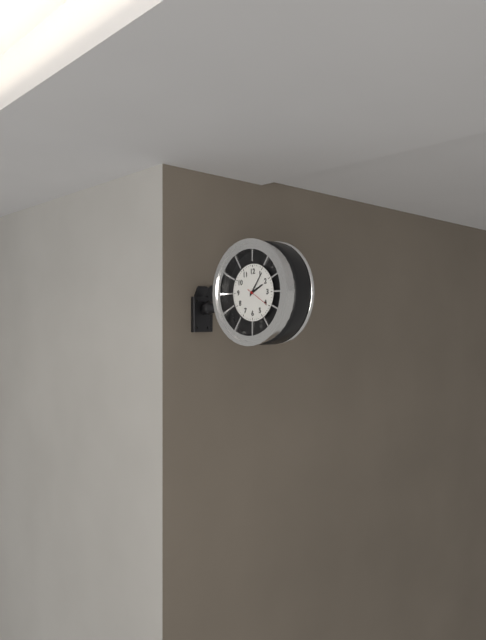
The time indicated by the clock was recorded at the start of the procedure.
2:06
